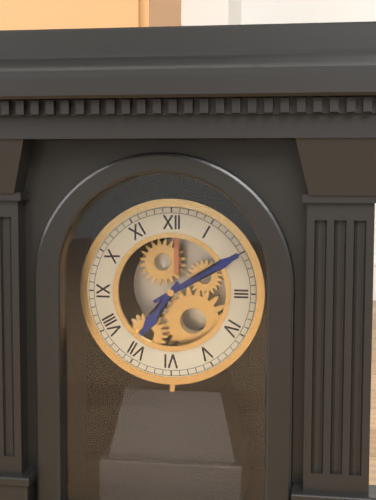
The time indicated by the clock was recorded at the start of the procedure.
7:10
